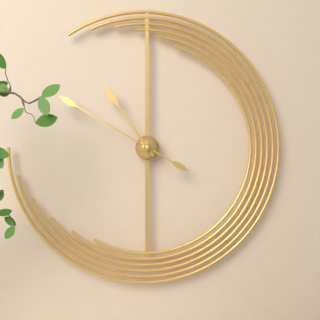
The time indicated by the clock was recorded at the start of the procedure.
10:50
